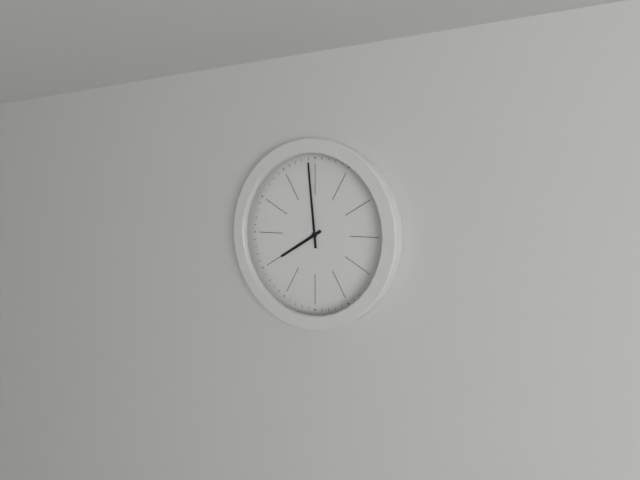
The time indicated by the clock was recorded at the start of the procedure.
7:59
